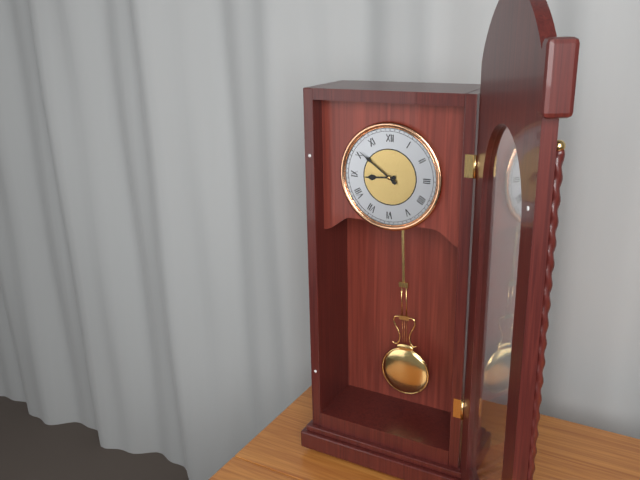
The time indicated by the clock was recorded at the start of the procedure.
8:51
